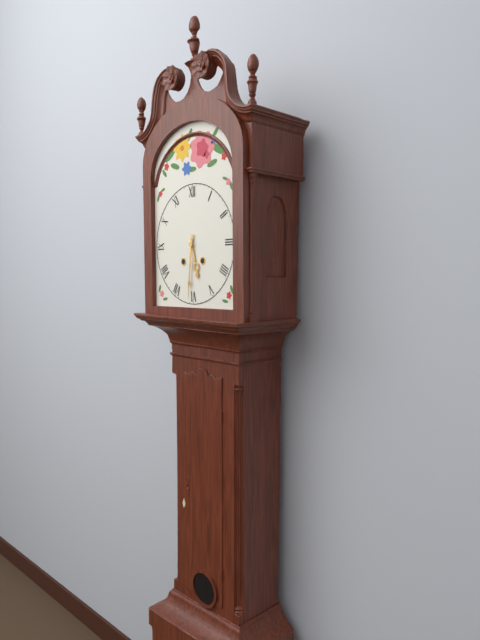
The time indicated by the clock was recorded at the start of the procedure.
5:31
